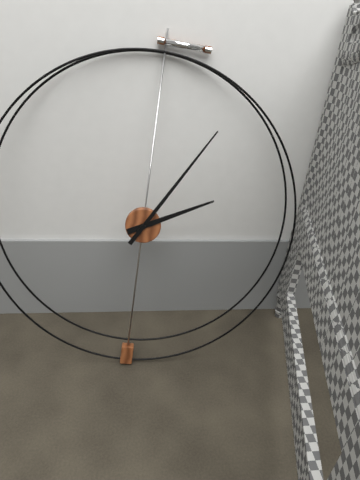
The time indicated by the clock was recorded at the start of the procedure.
2:05
